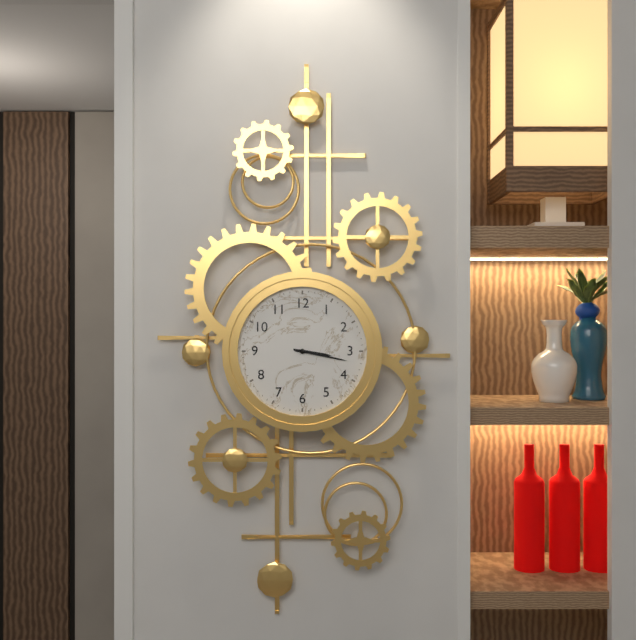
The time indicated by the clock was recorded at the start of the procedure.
3:17
